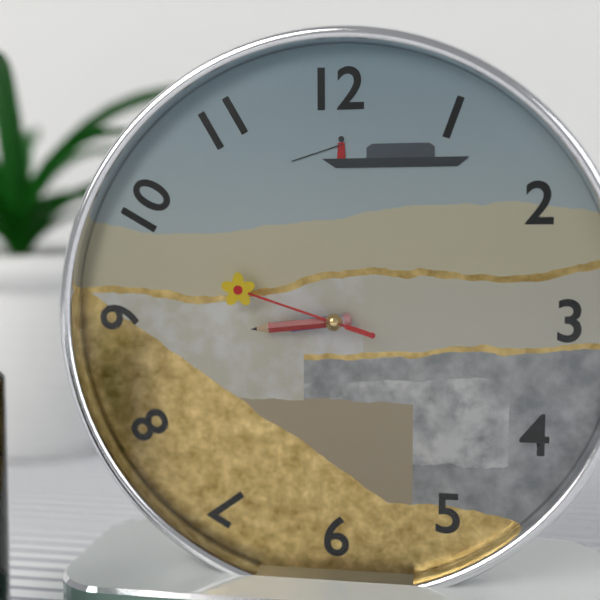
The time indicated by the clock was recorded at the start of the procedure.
8:44:48
